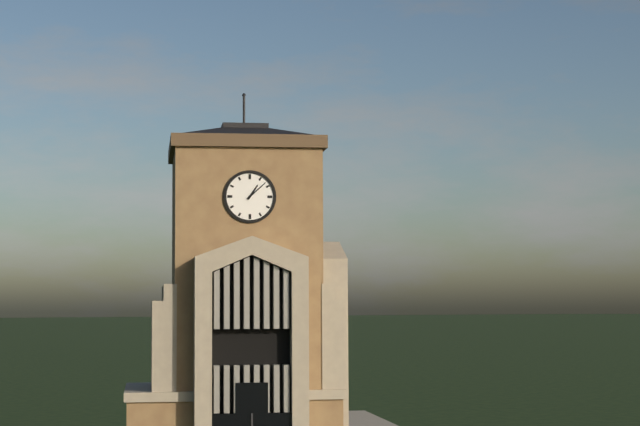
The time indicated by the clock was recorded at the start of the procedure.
1:08
